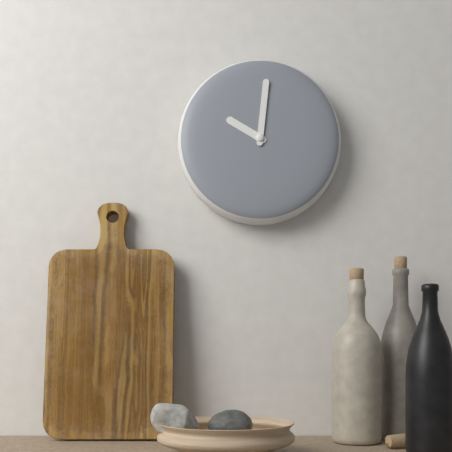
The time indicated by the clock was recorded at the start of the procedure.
10:01
